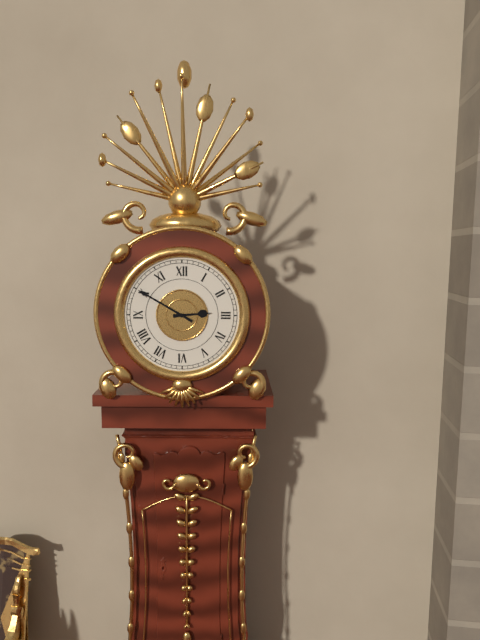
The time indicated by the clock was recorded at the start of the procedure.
2:50
